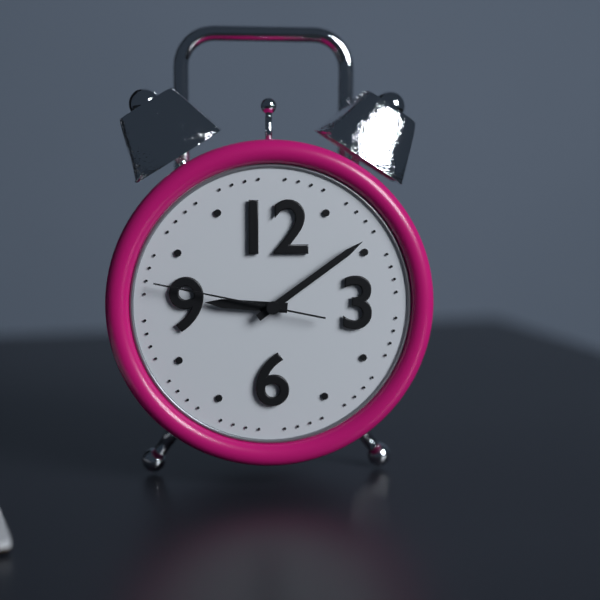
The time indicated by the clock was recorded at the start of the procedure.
9:09:47
